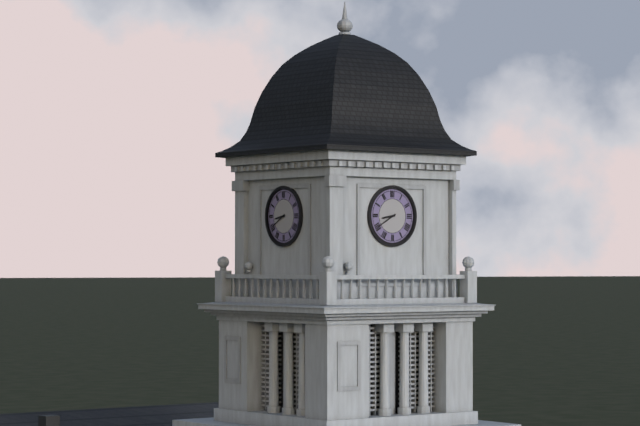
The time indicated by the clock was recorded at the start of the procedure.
8:40
